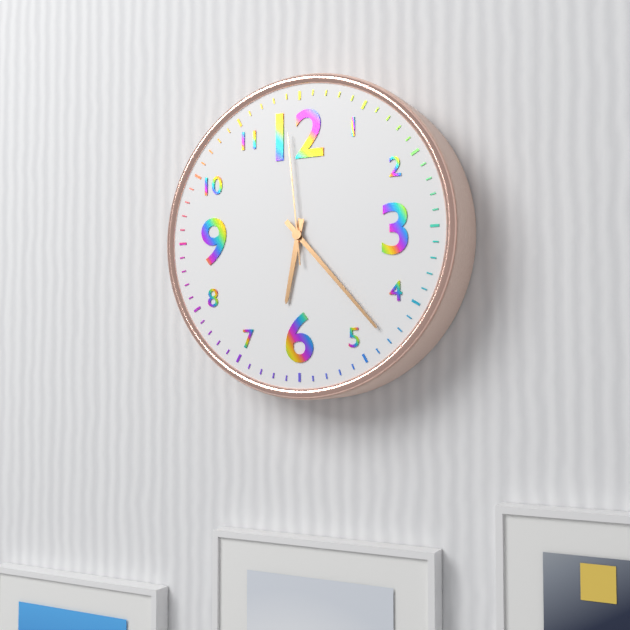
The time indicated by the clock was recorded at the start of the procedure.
6:23:59
